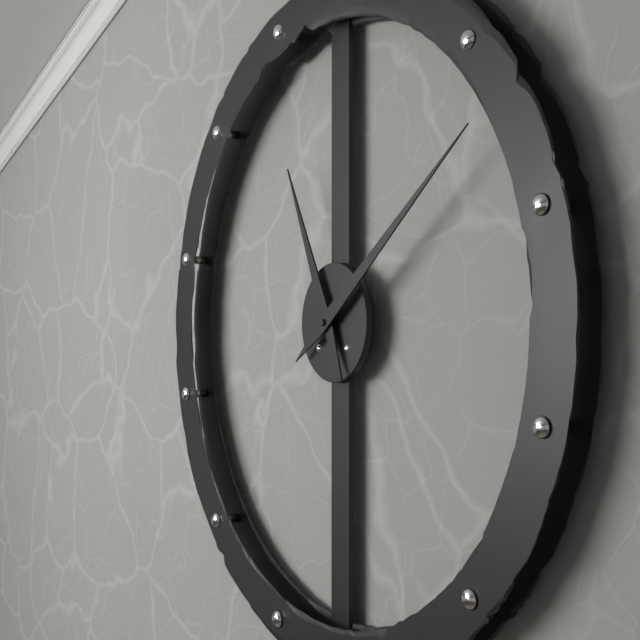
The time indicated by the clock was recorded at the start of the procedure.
11:09
